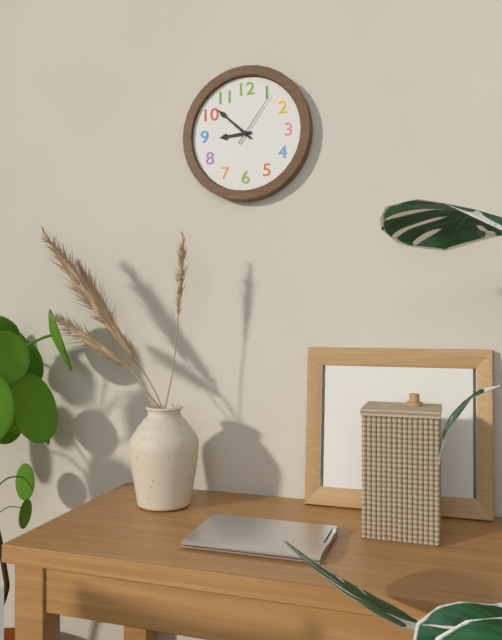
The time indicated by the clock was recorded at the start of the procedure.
8:52:06
